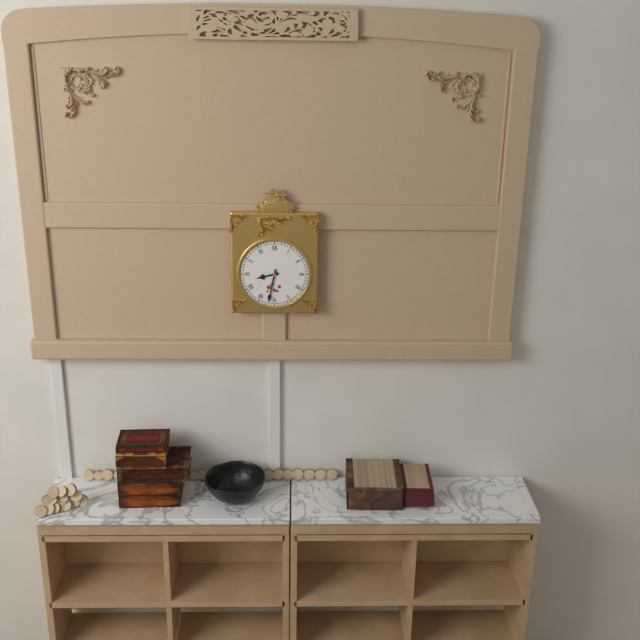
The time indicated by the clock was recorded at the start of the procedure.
8:32
